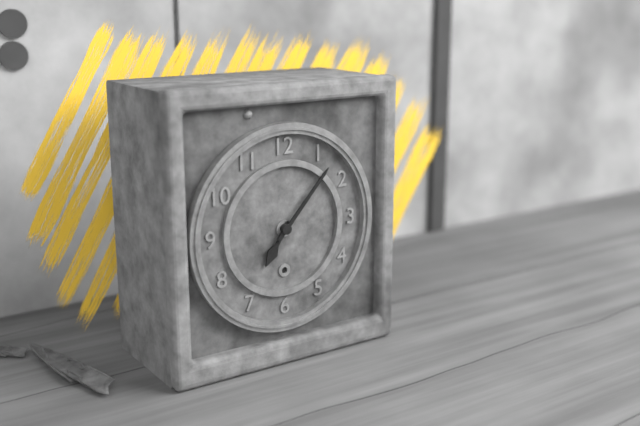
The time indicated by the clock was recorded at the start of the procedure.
7:07
